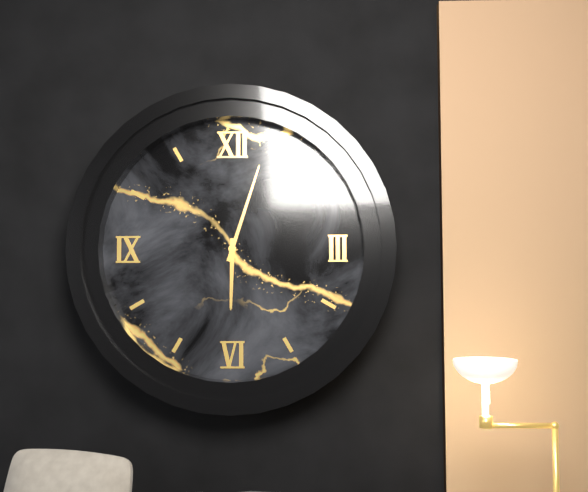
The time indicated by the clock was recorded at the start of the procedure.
6:03
